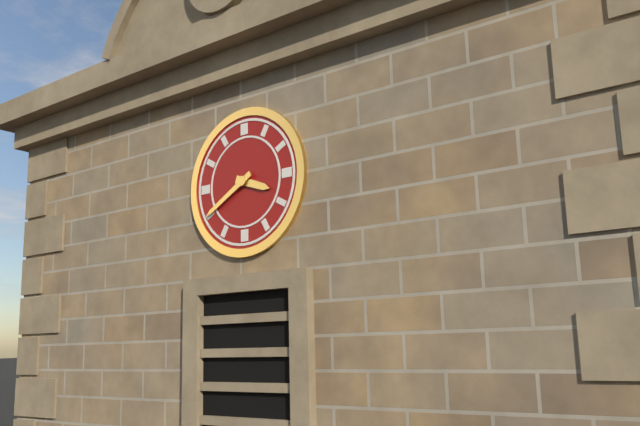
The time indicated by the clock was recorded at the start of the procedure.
3:40
